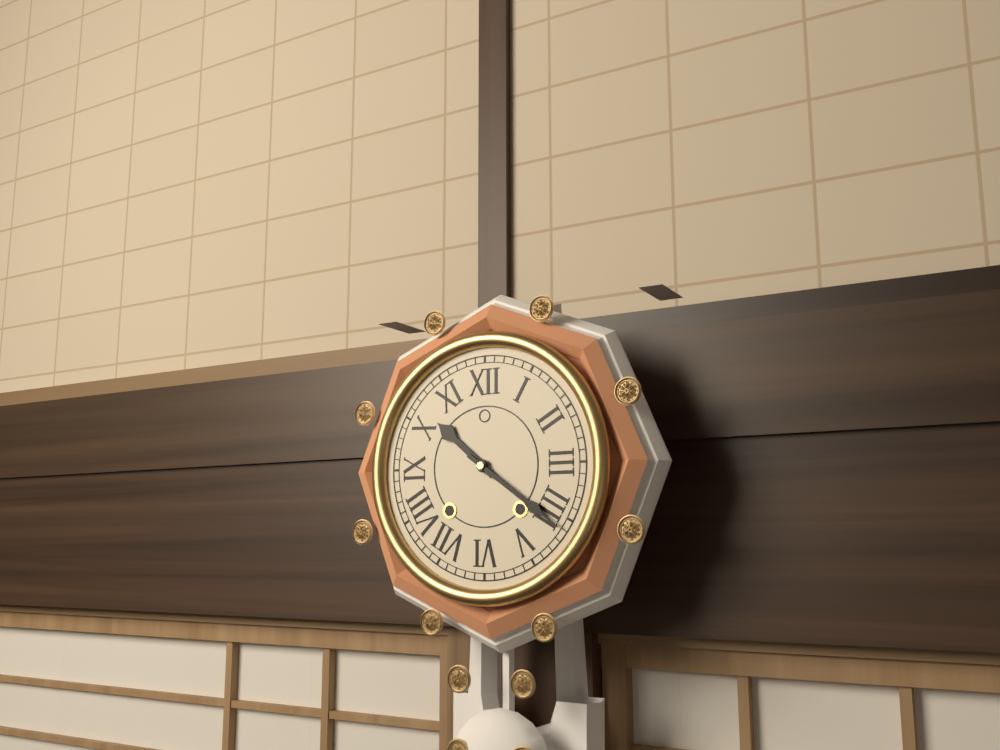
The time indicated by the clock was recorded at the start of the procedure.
10:21
